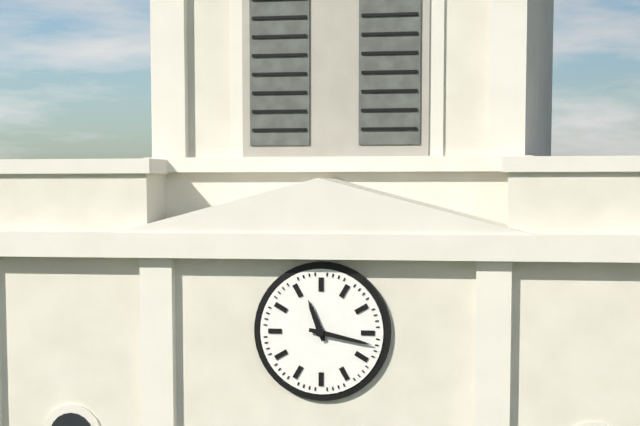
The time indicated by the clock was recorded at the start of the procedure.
11:17
